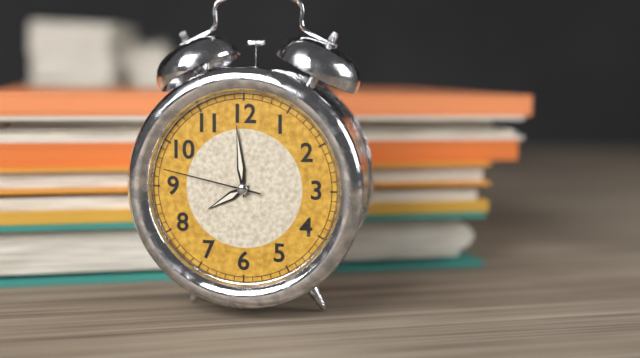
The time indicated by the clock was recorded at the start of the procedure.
7:59:47
